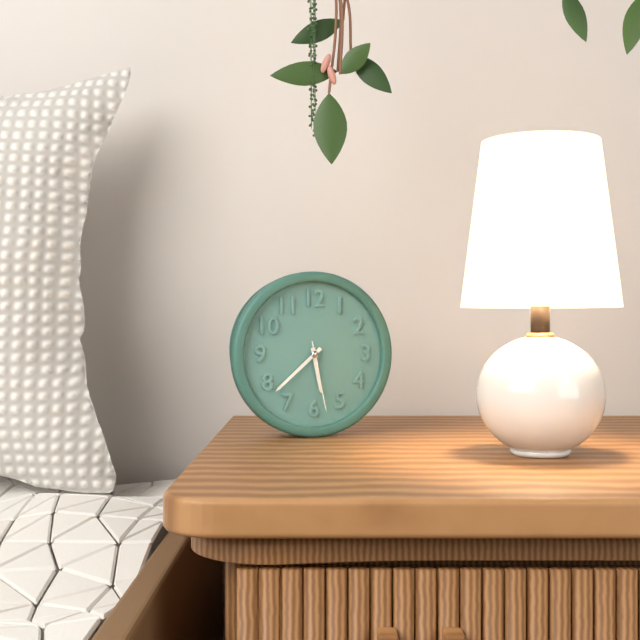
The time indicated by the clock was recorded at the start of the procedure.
5:38:28
